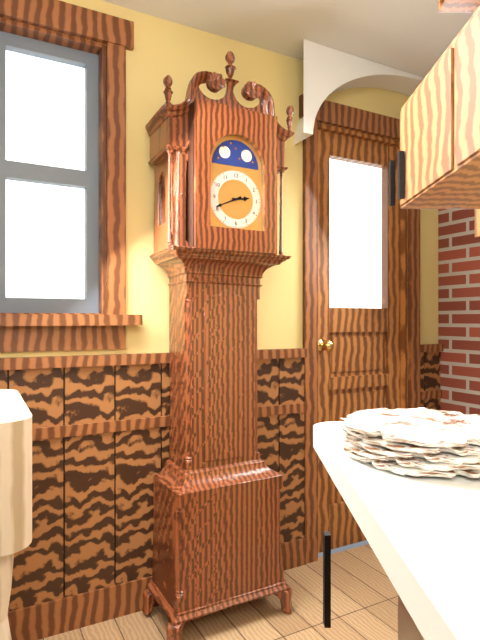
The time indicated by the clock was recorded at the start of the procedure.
2:41
